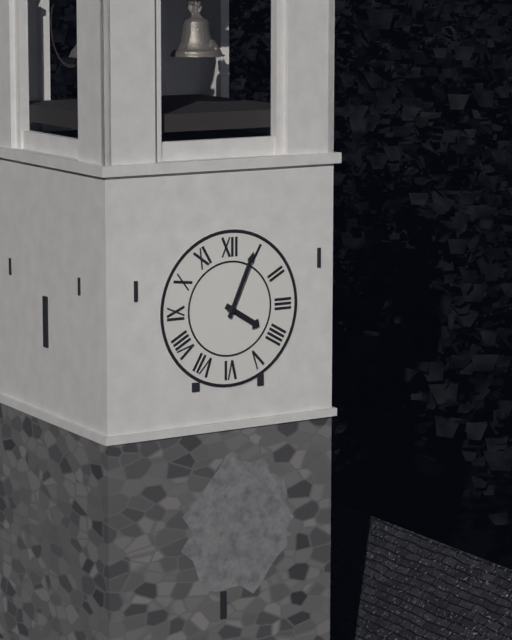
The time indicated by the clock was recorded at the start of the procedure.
4:04
